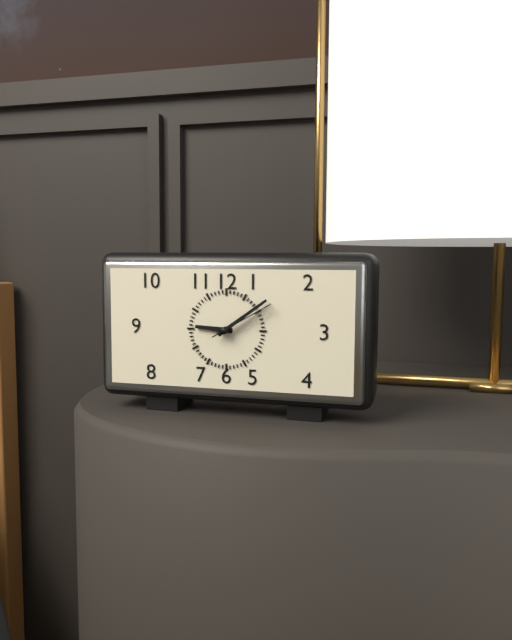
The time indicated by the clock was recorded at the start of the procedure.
9:09:10
